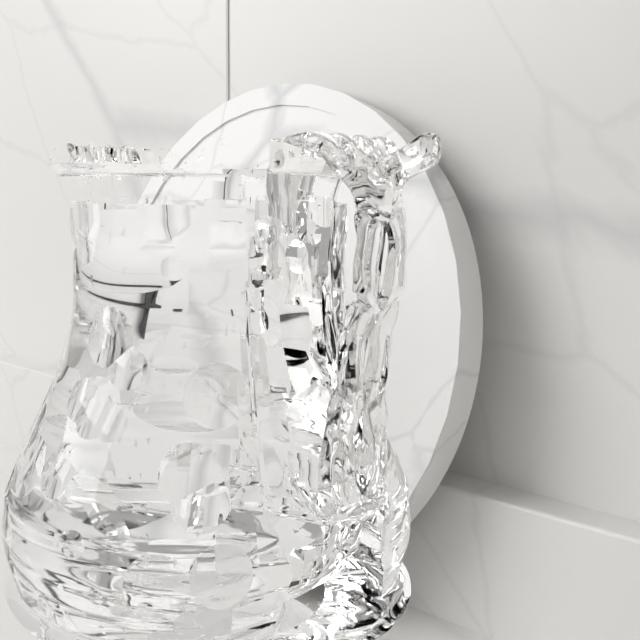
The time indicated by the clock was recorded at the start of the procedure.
2:28:57
